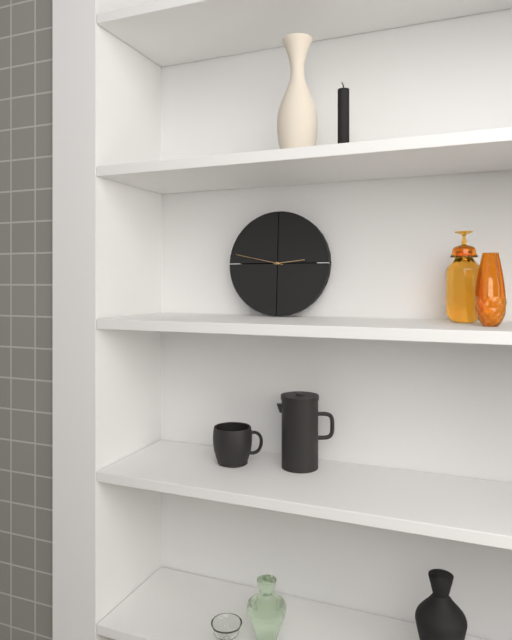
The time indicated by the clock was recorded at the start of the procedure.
2:47
